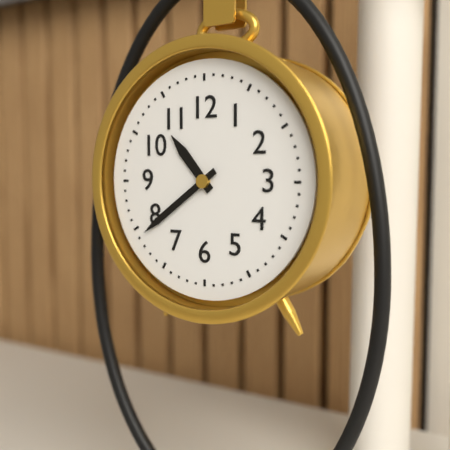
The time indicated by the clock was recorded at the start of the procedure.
10:39
